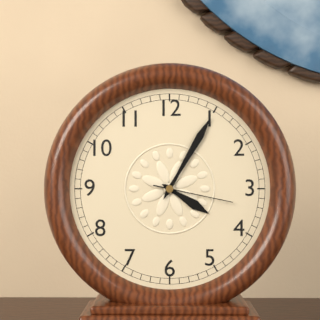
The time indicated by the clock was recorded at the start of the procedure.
4:05:17
